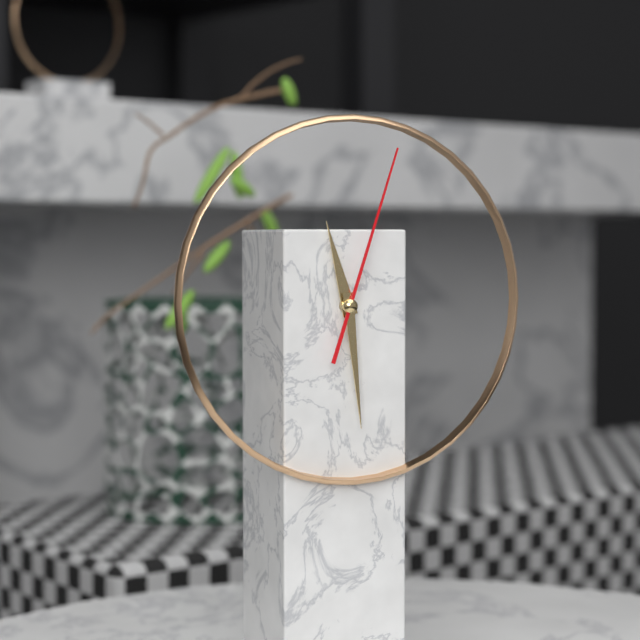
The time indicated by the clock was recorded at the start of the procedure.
11:29:03
